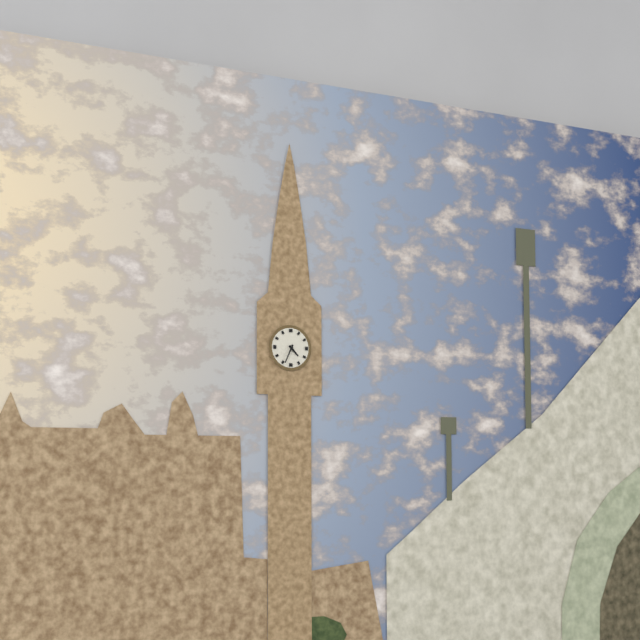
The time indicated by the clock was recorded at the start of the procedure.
4:34
